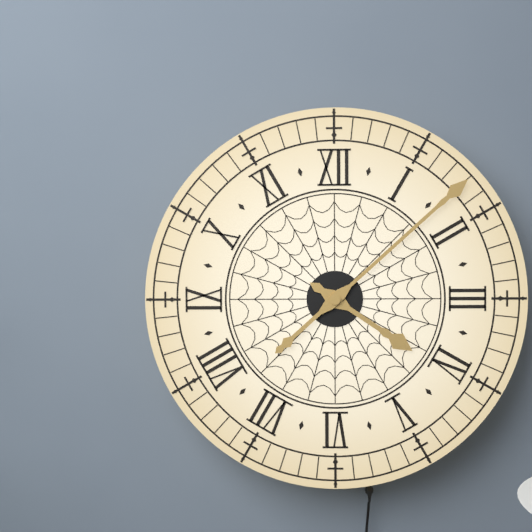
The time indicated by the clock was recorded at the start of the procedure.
4:08
